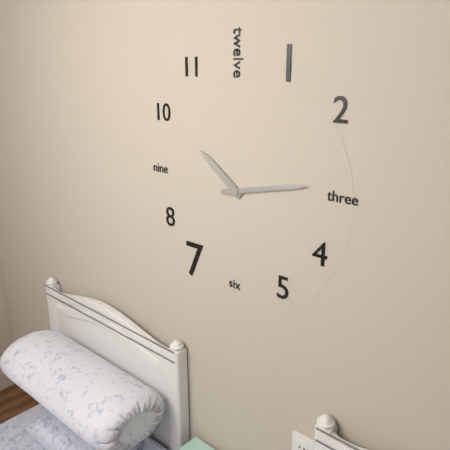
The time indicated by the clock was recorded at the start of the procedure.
10:13
